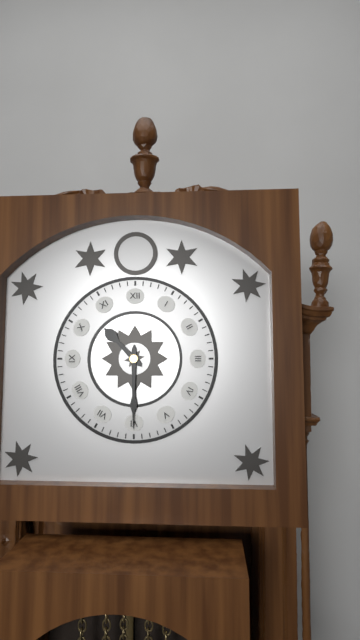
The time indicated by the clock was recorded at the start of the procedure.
10:30
